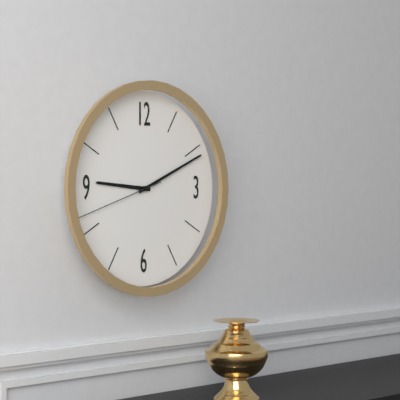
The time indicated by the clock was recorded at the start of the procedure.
9:11:42
